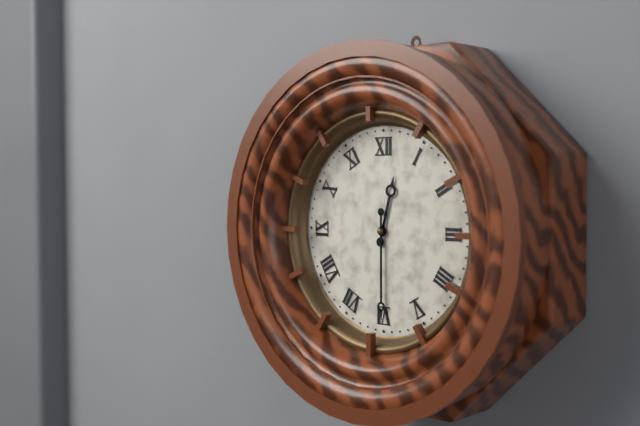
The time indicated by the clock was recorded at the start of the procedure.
12:30
